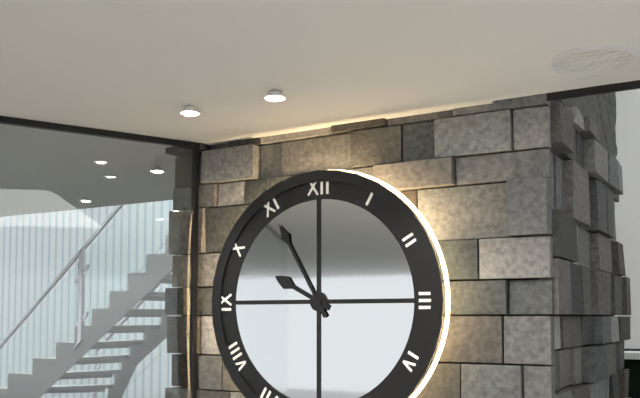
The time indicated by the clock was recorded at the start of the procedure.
9:55
